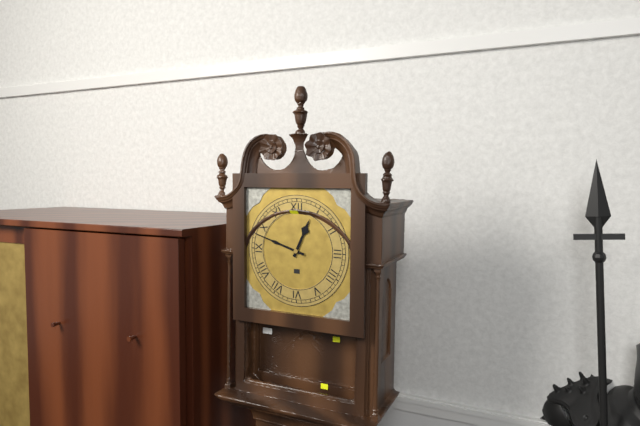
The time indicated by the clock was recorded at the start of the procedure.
12:48
